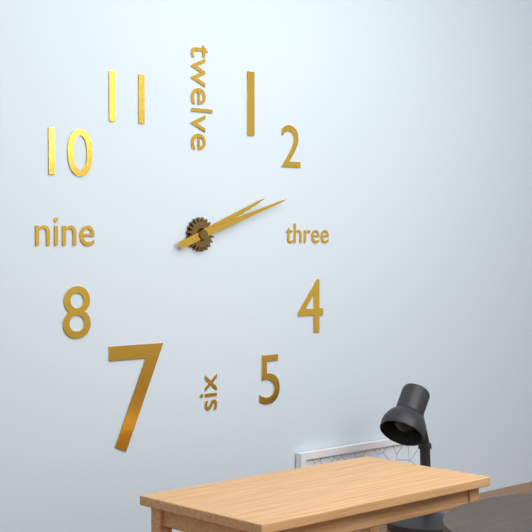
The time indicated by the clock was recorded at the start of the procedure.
2:12
